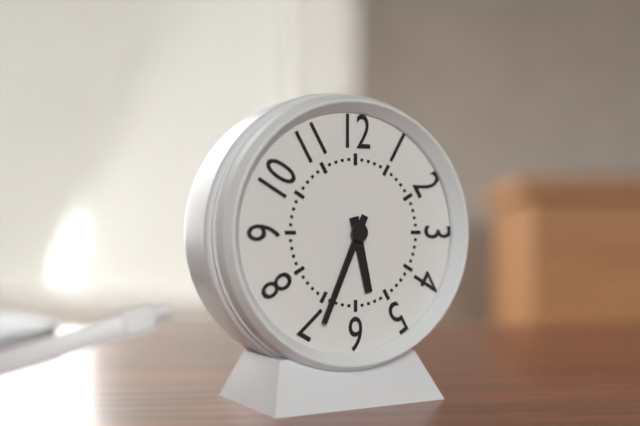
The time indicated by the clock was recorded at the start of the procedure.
5:34
